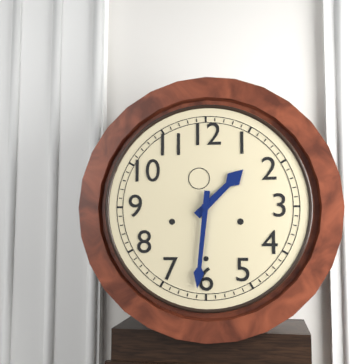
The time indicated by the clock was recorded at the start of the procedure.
1:31
